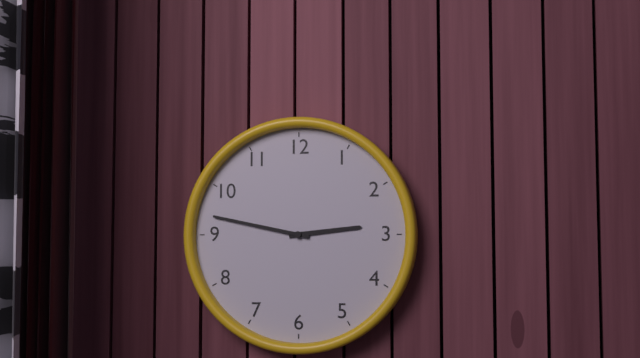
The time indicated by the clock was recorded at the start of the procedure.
2:47
